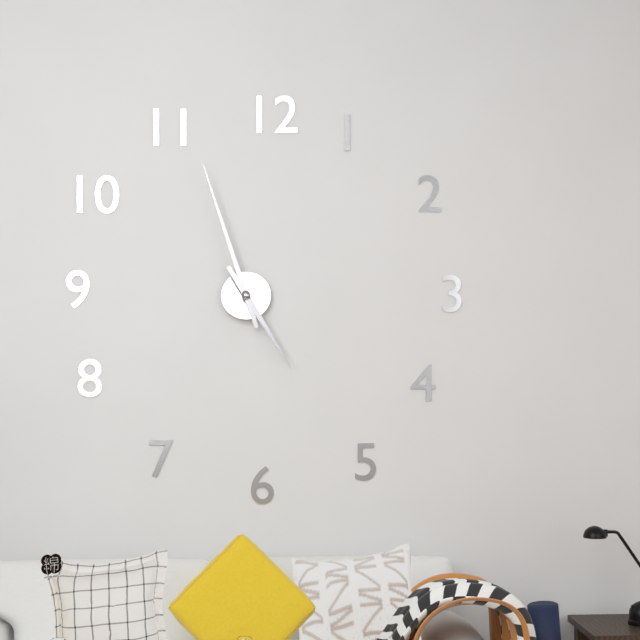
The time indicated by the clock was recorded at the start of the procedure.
4:57
